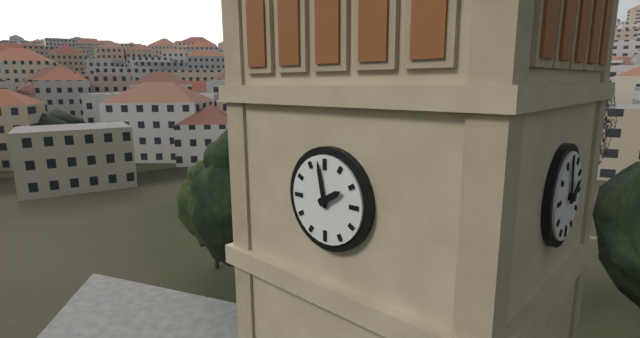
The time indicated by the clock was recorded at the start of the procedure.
1:58
